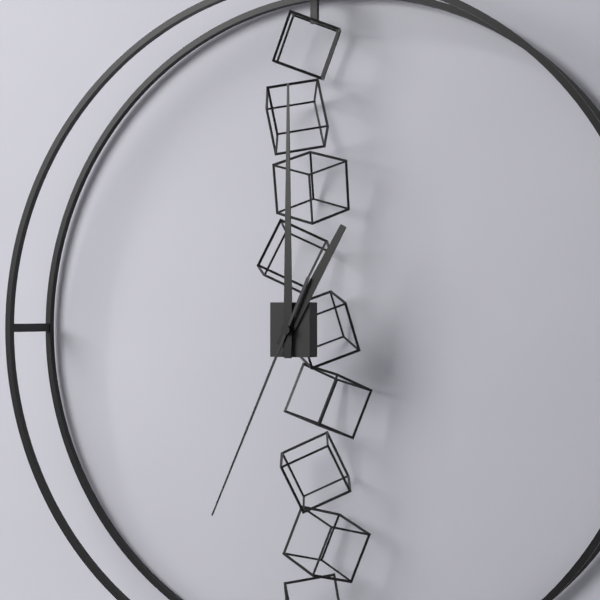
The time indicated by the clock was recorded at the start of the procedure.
1:00:34
